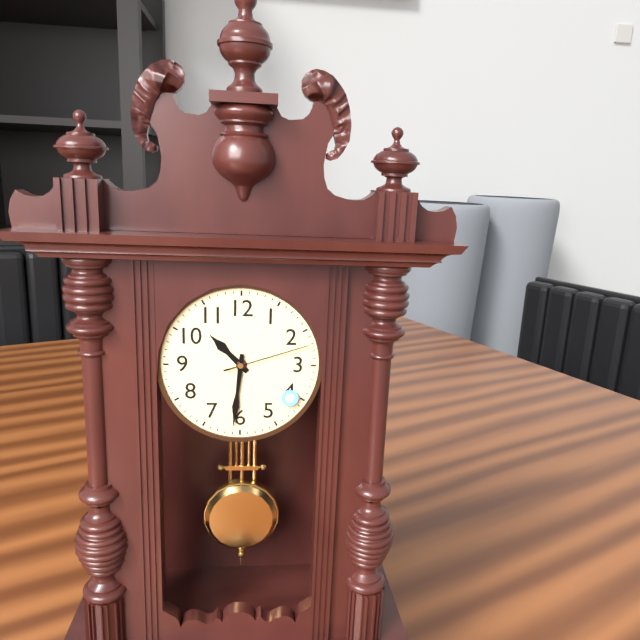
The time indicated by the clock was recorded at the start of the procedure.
10:31:12
